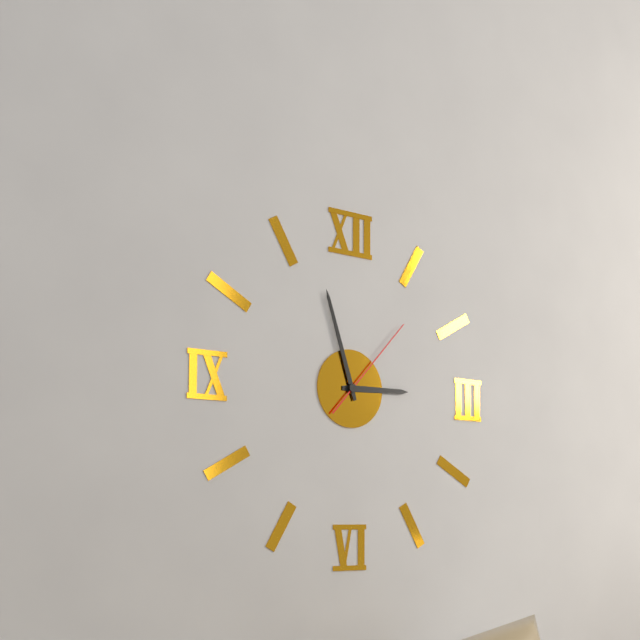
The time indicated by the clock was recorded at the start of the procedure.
2:57:07
